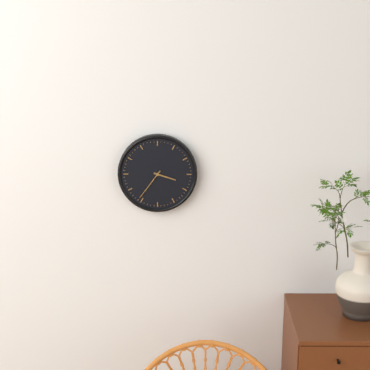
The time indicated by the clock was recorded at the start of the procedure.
3:36
